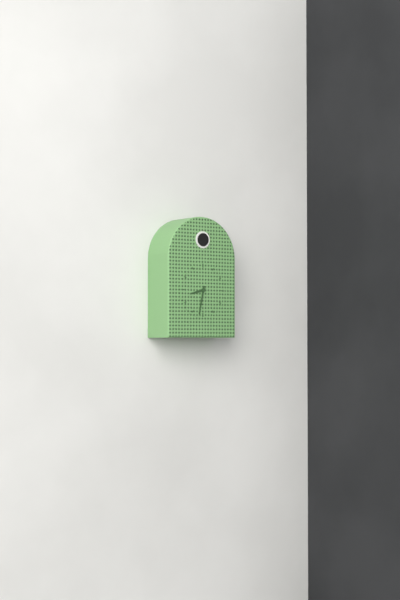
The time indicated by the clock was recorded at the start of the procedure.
8:32
